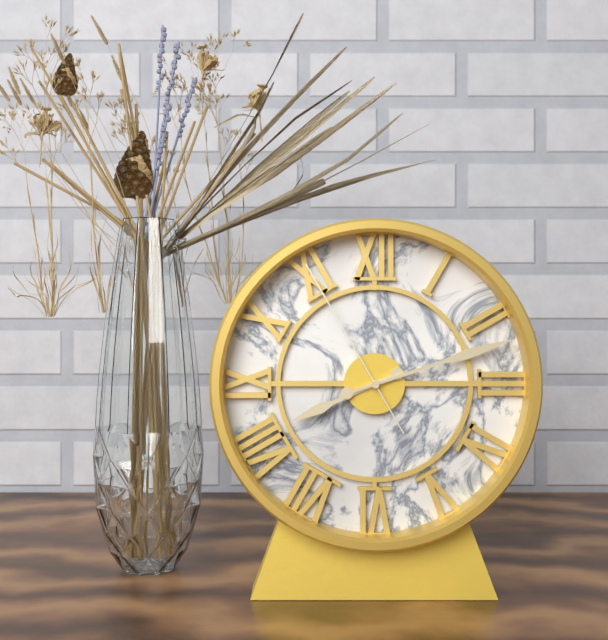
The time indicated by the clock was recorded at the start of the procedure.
8:12:55
